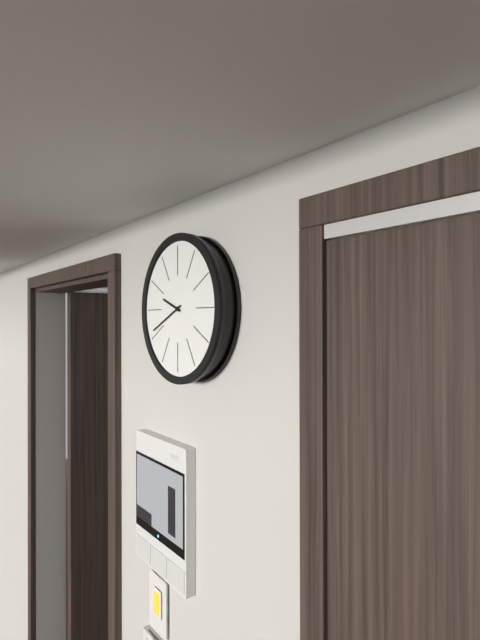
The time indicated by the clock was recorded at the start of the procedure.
9:41
